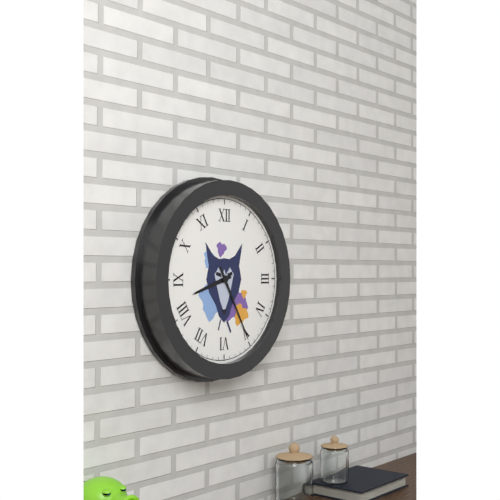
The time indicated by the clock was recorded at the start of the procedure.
8:25
